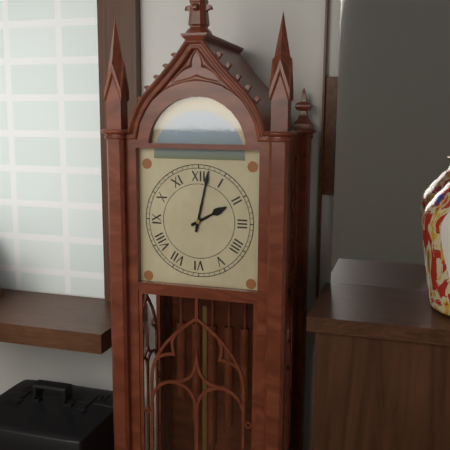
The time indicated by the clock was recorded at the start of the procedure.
2:02
